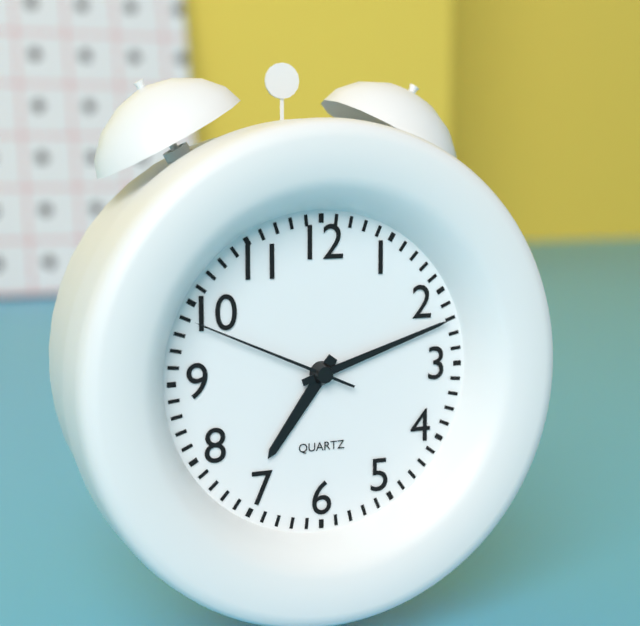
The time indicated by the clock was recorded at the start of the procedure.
7:12:49
